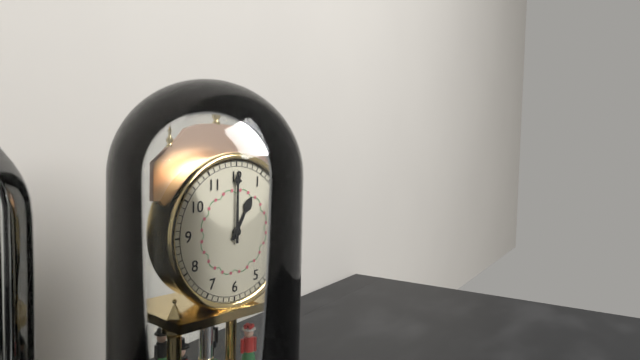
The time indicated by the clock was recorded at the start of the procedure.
1:00
